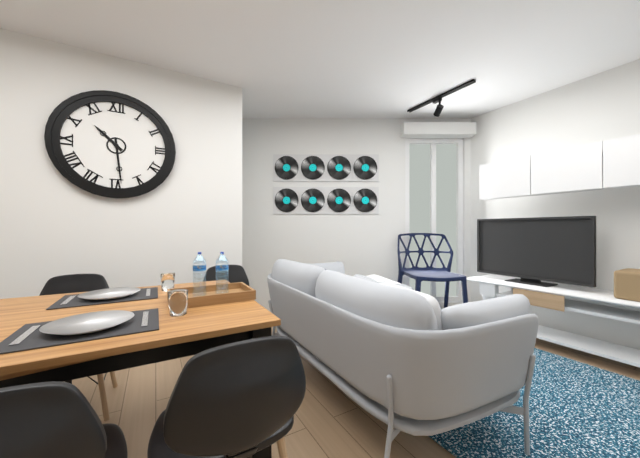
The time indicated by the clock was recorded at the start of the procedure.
10:29
